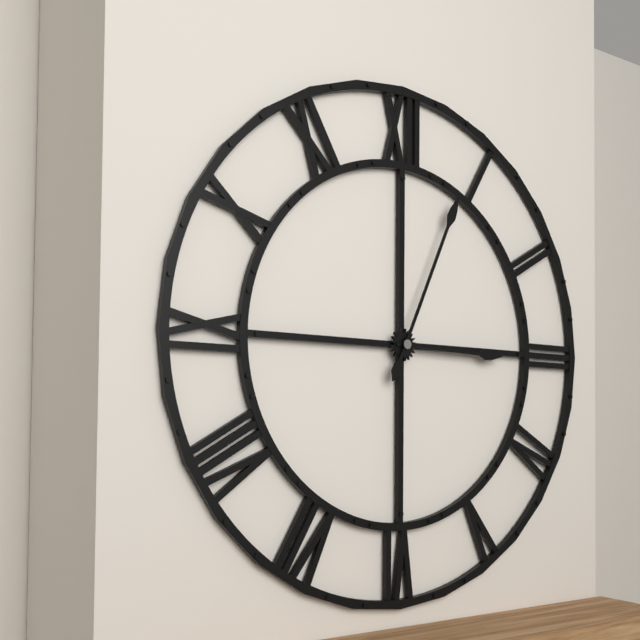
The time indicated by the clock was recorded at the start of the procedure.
3:04
